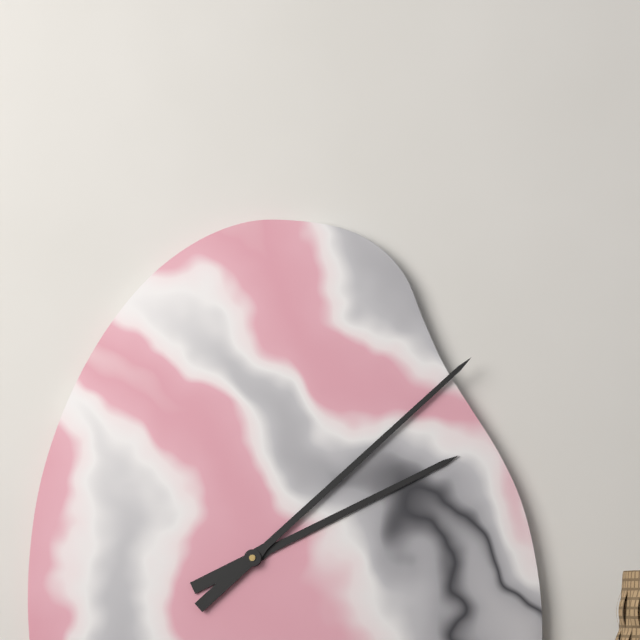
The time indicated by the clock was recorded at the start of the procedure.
2:08
